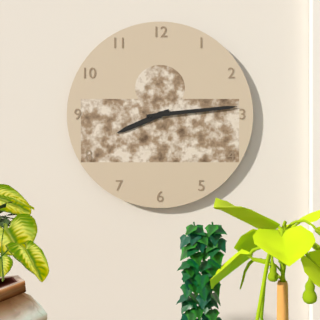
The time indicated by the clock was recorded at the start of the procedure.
8:14
